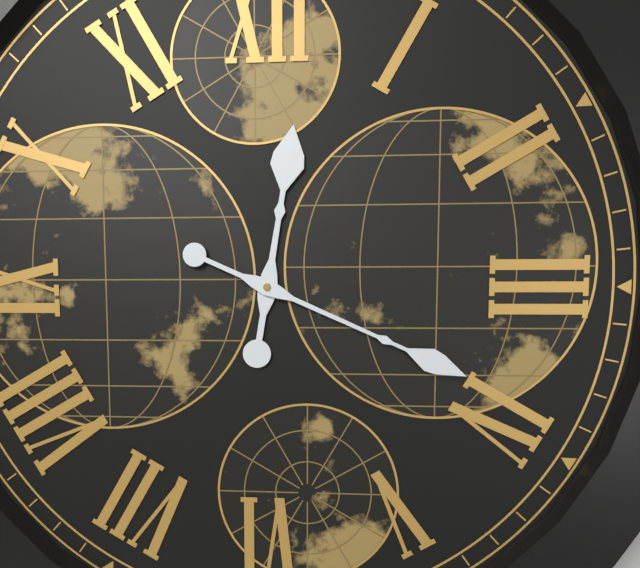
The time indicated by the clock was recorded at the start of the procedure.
12:19
